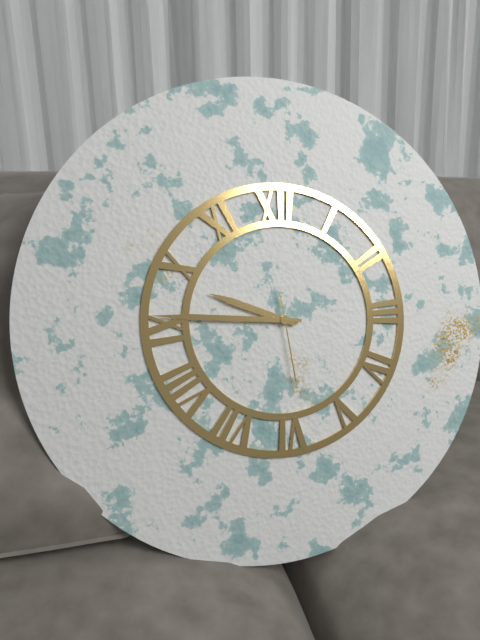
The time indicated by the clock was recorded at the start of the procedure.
9:46:29
